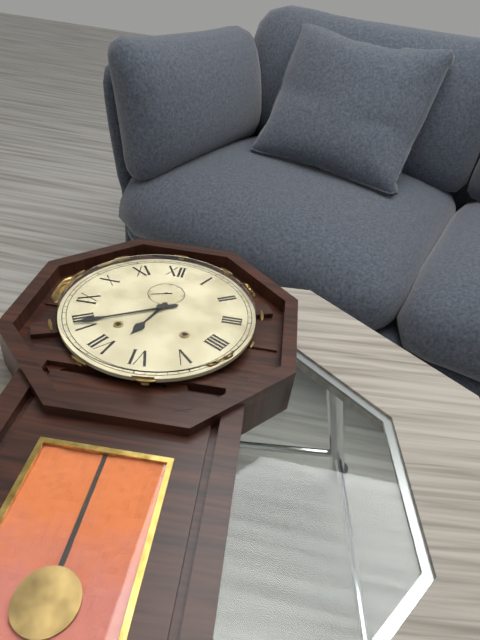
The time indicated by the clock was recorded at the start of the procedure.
6:40:42
